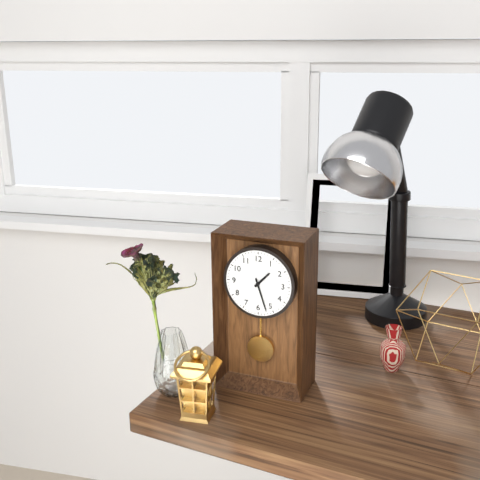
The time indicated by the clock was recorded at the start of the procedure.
1:27
